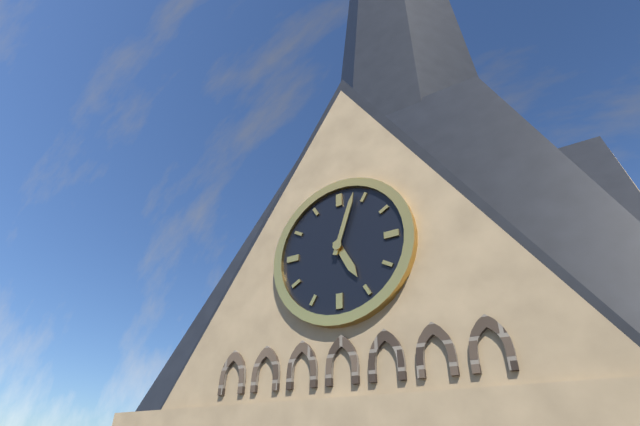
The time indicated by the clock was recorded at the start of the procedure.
5:03
